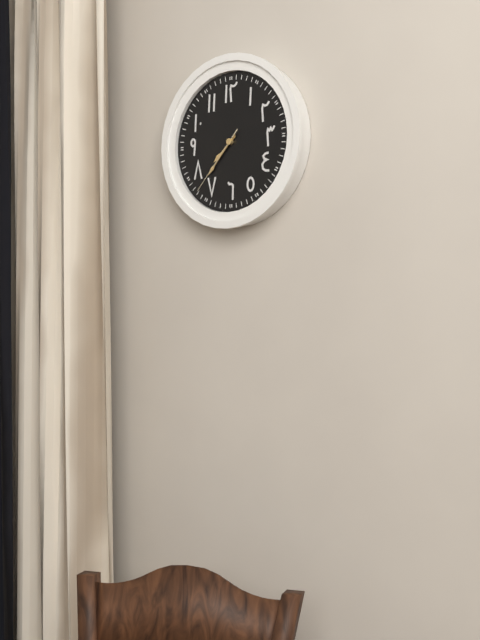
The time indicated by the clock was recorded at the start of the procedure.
7:37:37
